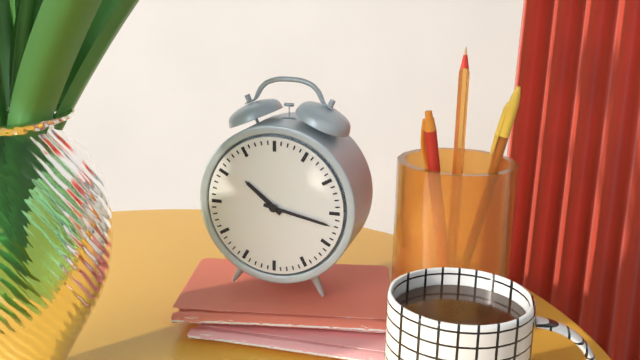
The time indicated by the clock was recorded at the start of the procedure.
10:17
